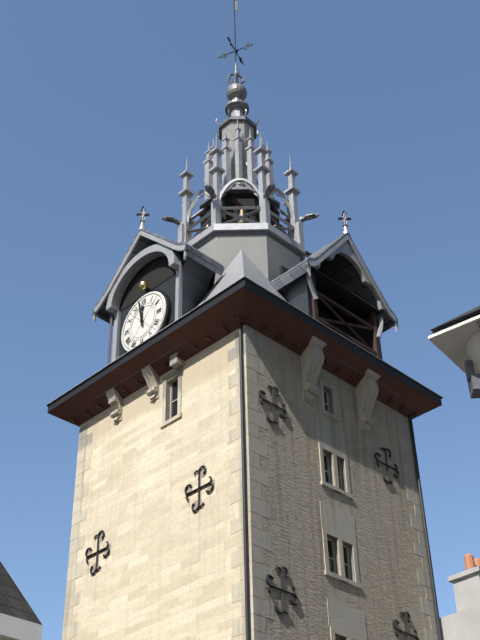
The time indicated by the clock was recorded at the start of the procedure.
11:58
